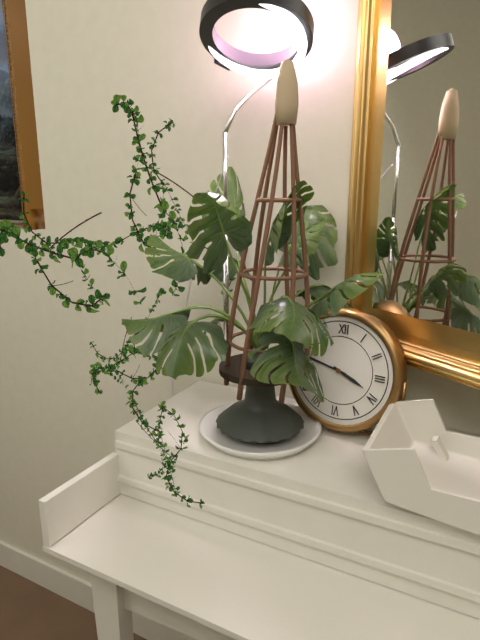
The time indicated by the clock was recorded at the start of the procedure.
3:47
